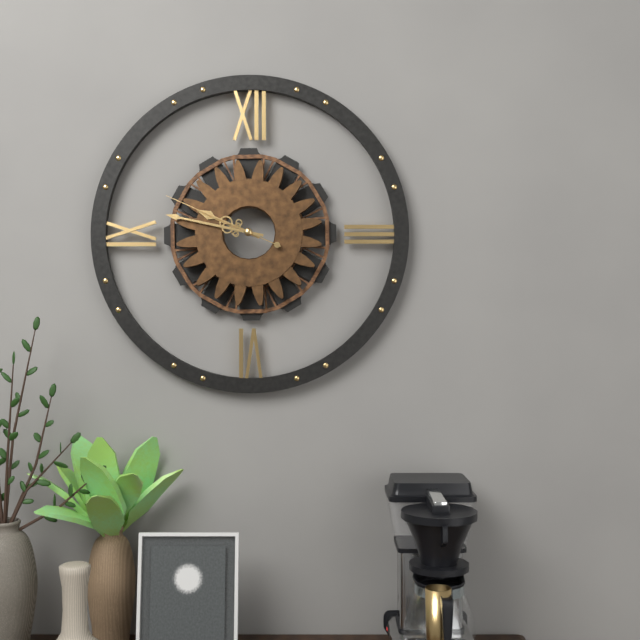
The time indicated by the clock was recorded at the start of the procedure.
9:47:49
